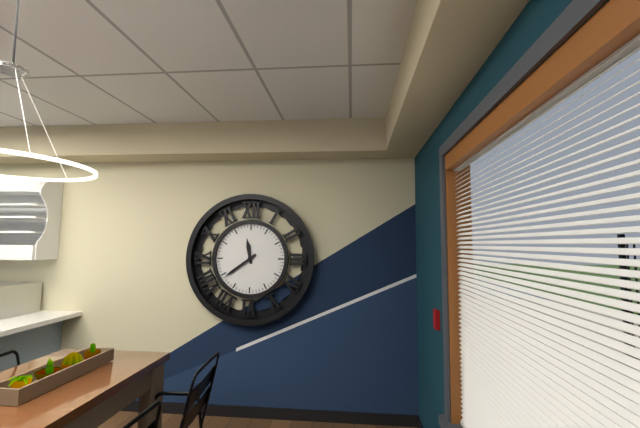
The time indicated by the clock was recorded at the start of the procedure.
11:39
